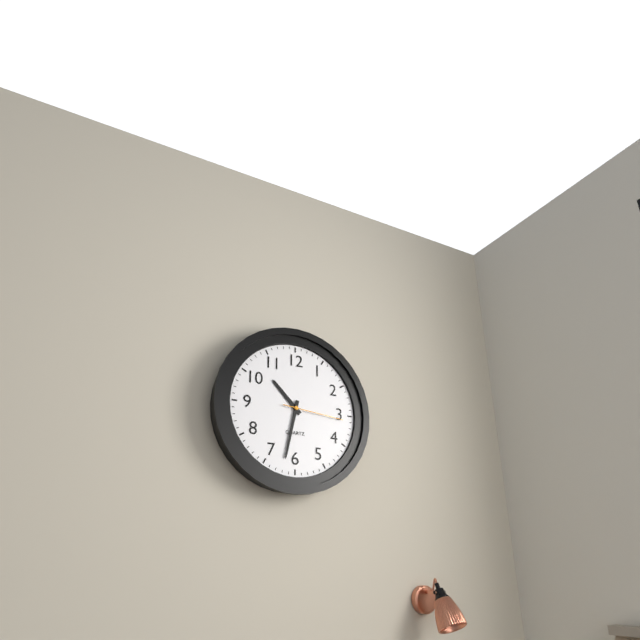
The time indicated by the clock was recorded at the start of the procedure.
10:32:16
